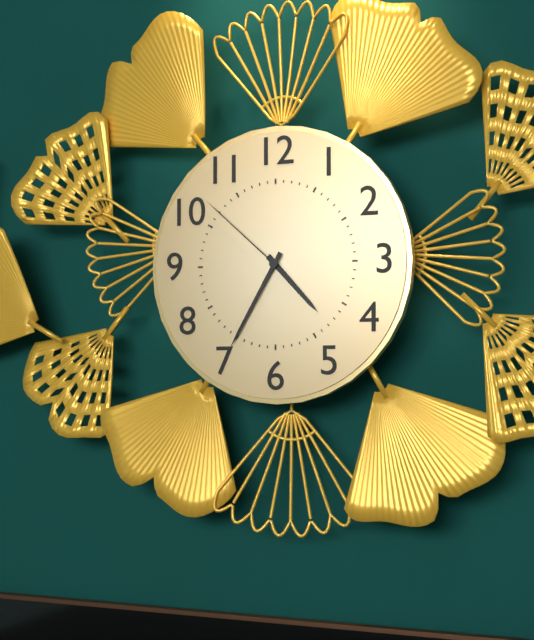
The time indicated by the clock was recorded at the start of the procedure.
4:35:52
